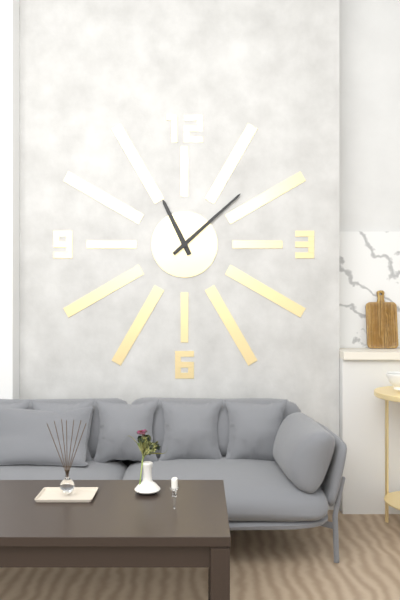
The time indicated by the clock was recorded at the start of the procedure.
11:08
